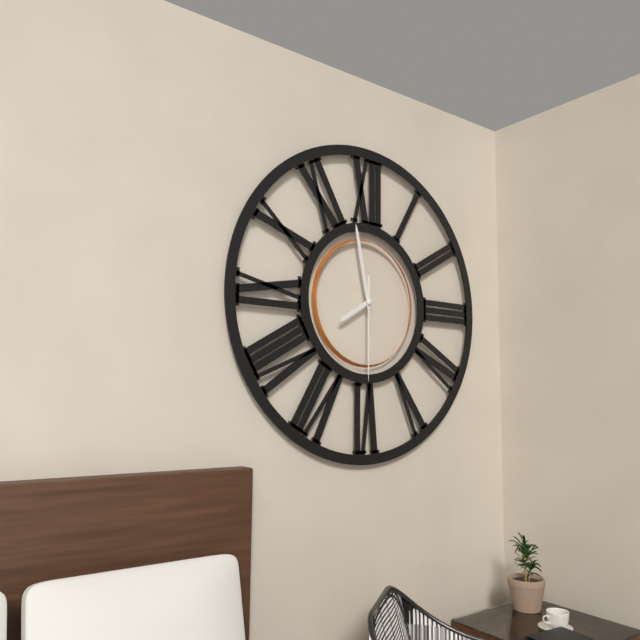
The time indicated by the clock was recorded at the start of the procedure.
7:58:30
